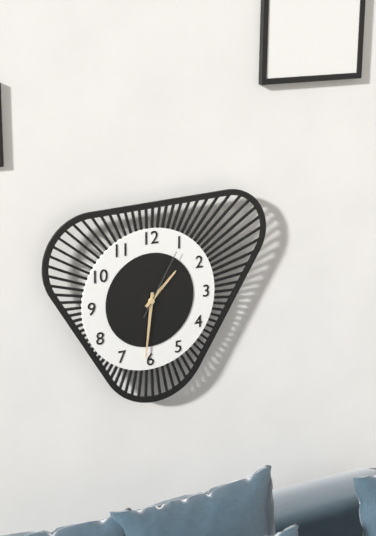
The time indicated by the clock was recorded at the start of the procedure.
1:31:05
